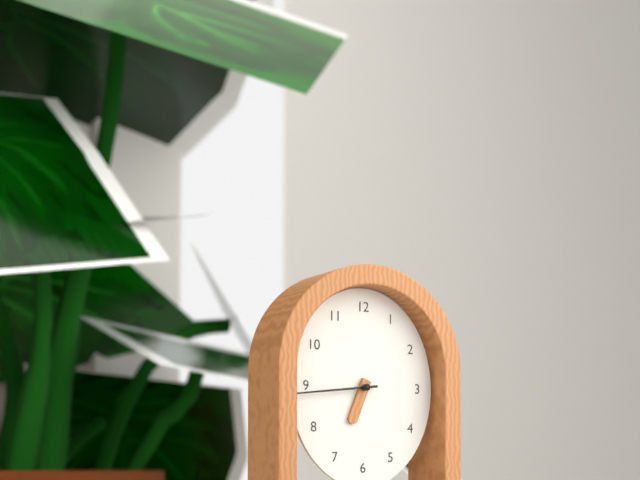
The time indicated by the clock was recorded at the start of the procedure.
6:44
